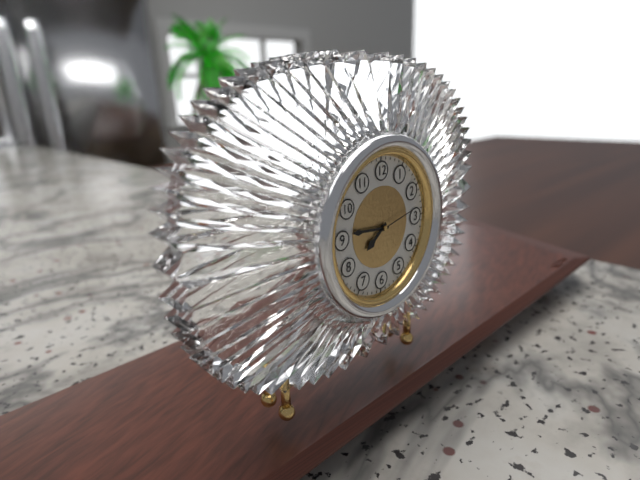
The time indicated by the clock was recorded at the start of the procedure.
7:46
